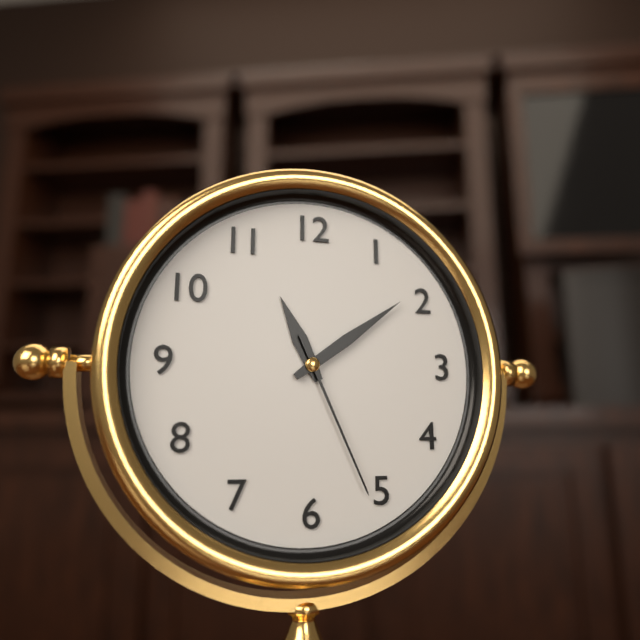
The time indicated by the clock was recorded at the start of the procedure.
11:09:26
